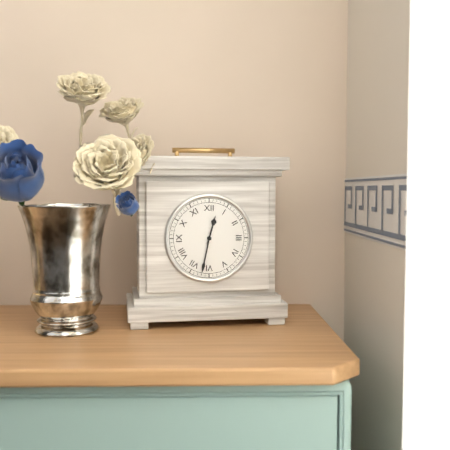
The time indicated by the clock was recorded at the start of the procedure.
12:32
